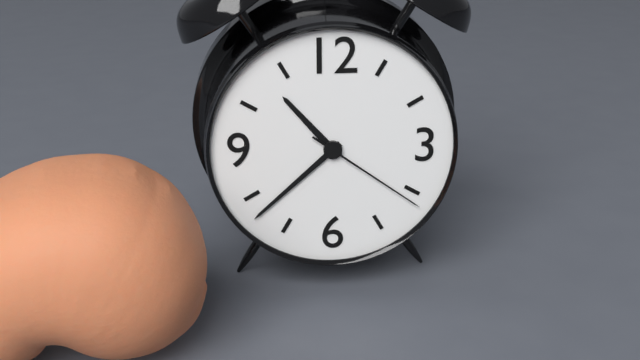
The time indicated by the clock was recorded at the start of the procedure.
10:38:21
